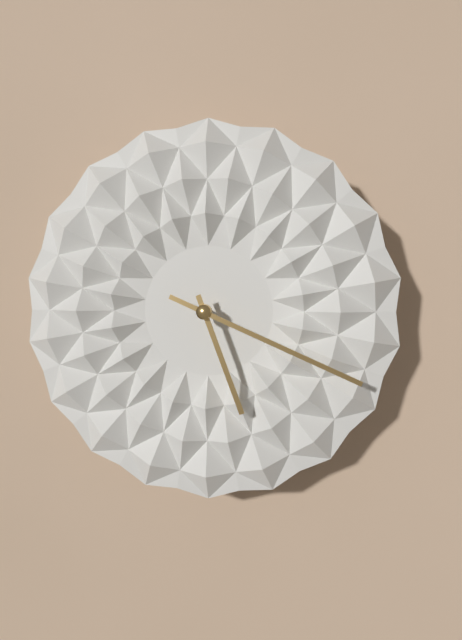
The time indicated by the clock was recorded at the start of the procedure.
5:19
